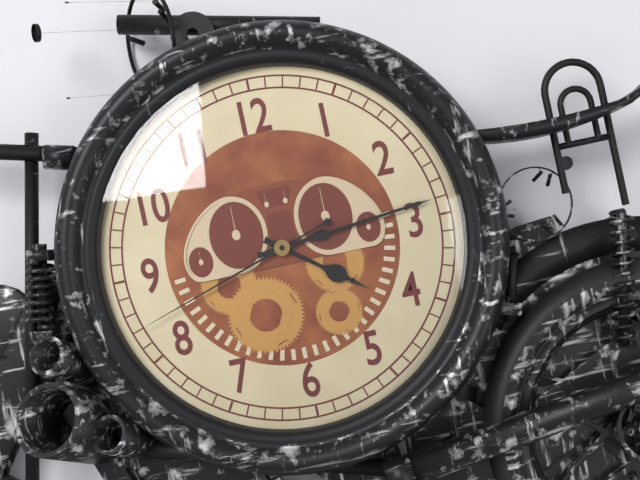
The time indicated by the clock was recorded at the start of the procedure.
4:14:42
